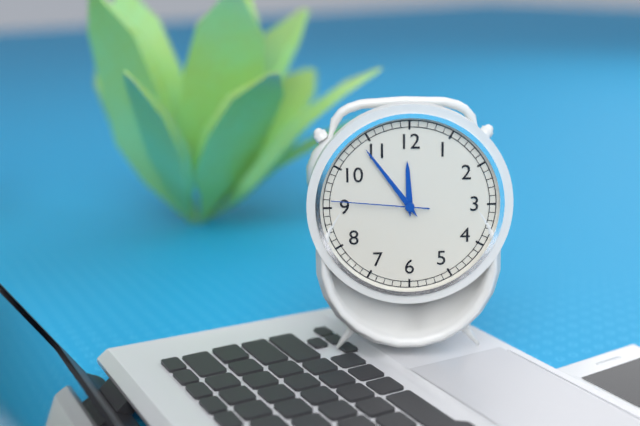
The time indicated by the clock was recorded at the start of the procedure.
11:54:46
